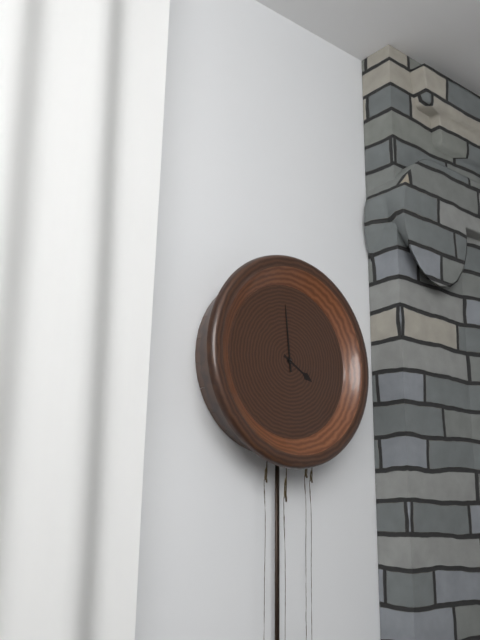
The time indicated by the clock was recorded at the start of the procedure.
3:59
